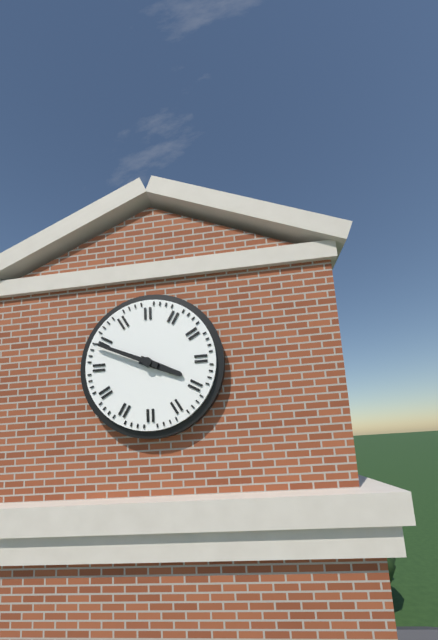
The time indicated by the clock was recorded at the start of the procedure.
3:49
